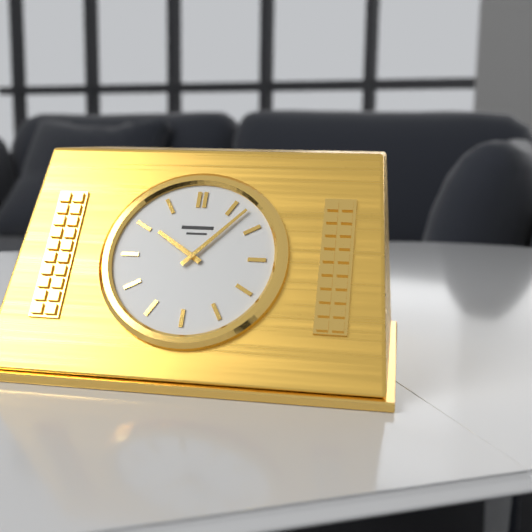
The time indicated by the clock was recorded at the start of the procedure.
10:07
